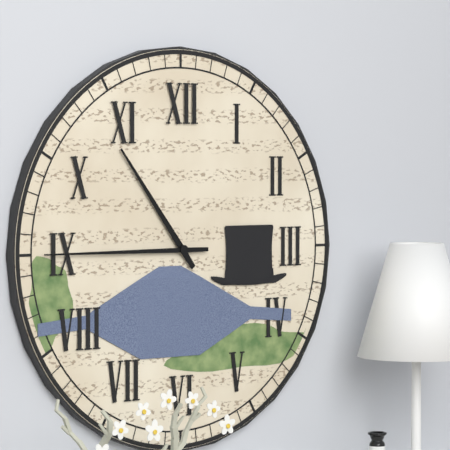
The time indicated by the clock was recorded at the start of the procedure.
10:45
